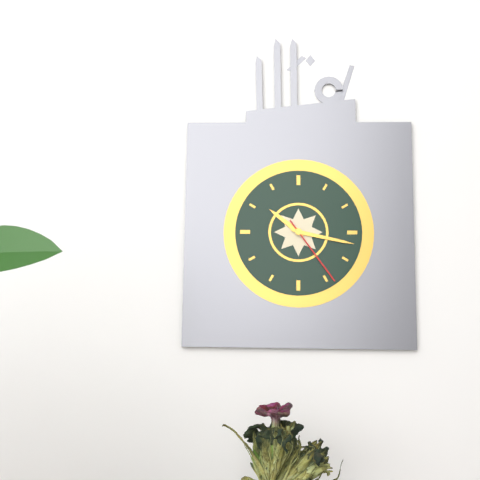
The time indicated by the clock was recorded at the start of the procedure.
10:17:24
